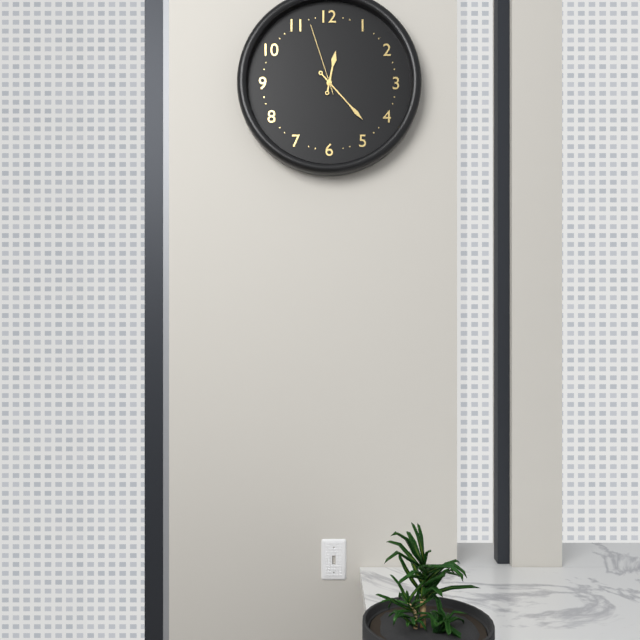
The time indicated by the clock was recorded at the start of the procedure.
12:23:57
